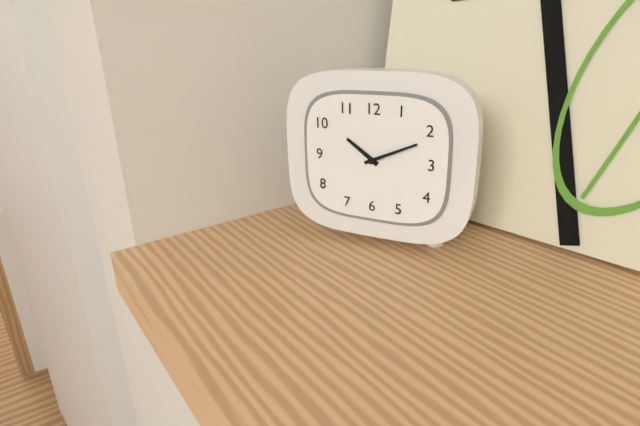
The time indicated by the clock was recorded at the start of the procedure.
10:11
